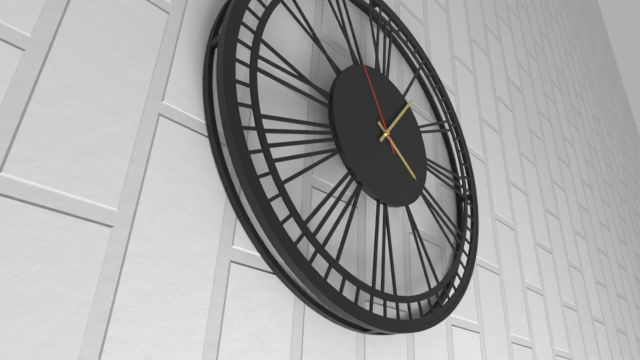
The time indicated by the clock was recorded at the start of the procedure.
4:06:55
